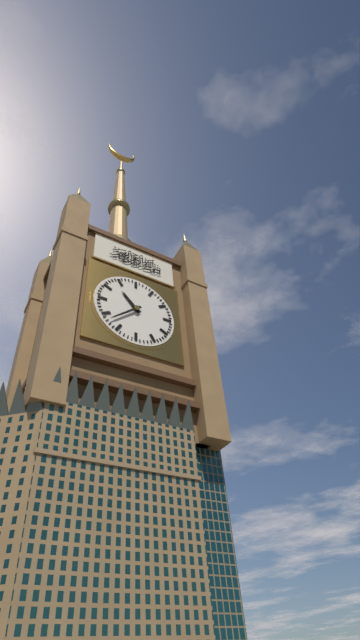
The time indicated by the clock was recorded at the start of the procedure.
10:38
